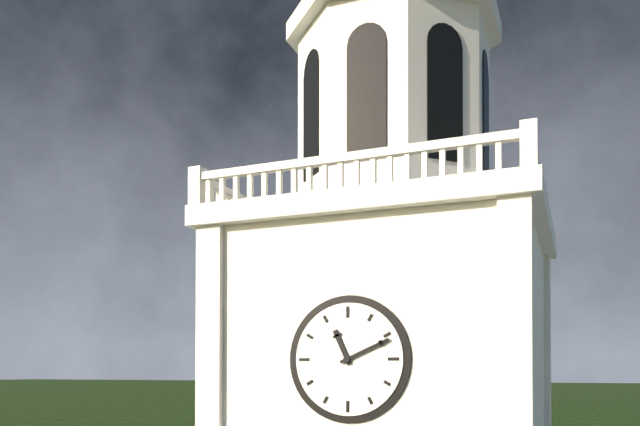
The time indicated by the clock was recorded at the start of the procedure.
11:11
